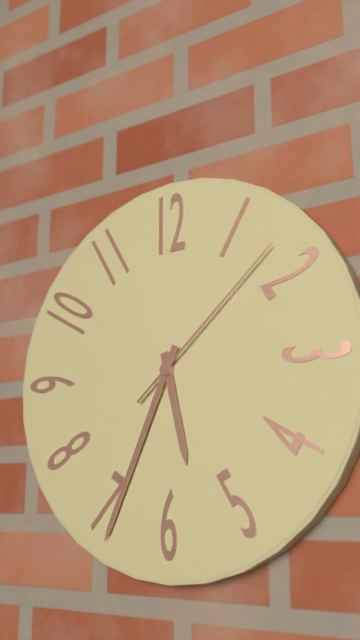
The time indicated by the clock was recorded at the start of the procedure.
5:34:08
